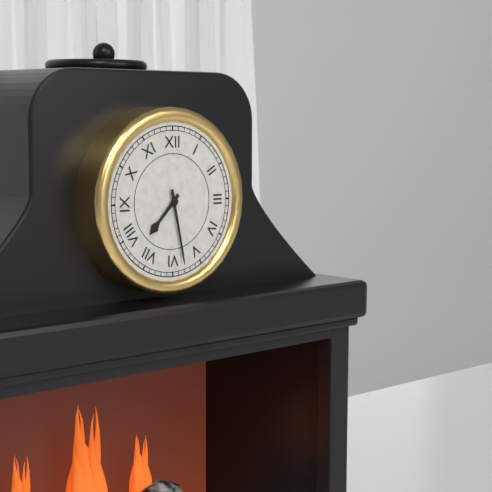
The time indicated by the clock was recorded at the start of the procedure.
7:28
